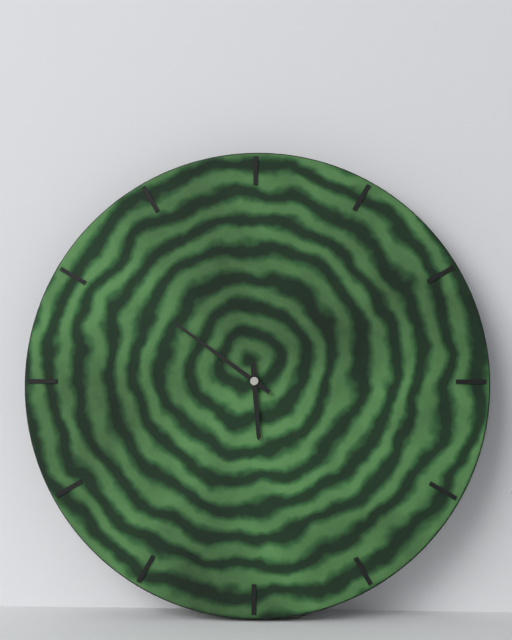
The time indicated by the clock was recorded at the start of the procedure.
5:51
